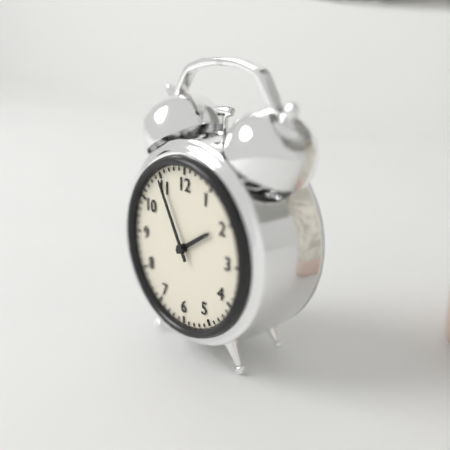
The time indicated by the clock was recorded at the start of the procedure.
1:55
